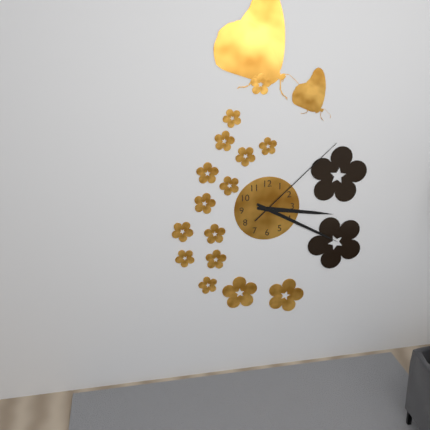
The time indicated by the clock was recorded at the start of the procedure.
3:20:08
